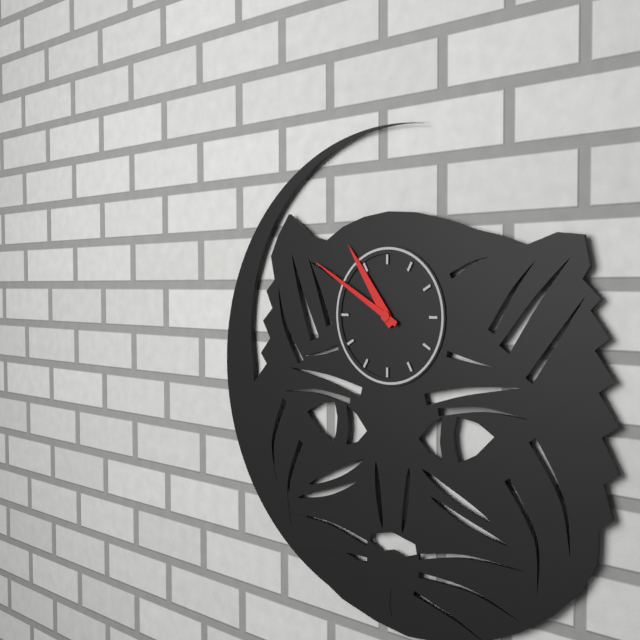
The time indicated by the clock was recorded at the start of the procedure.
10:50
